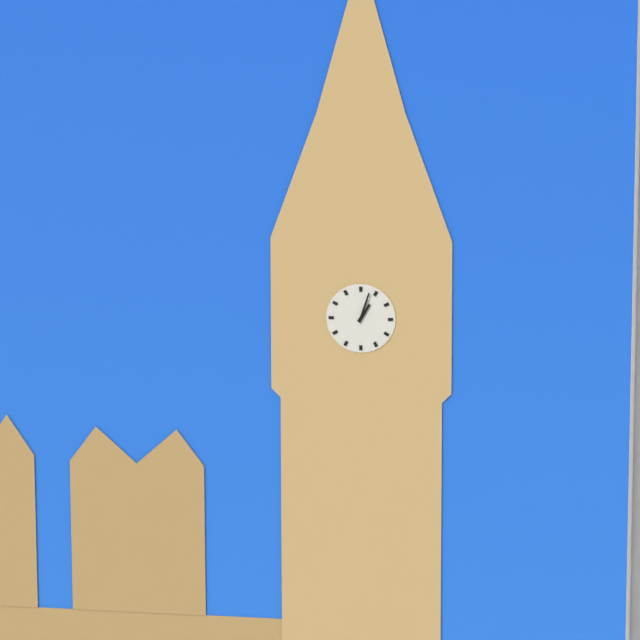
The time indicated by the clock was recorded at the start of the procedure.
1:03
